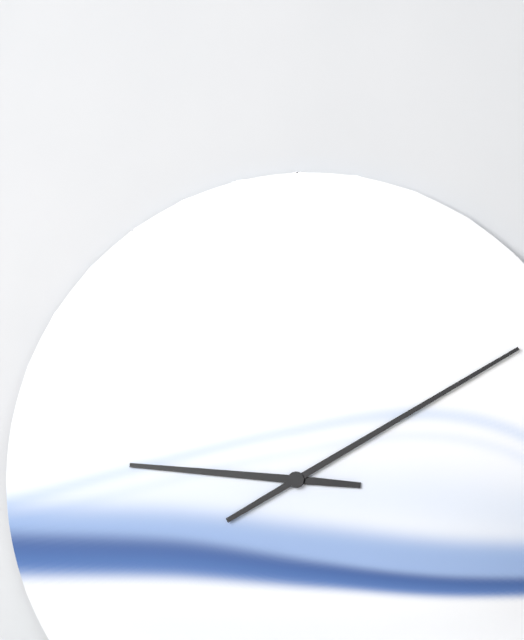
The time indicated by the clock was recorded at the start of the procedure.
9:10
